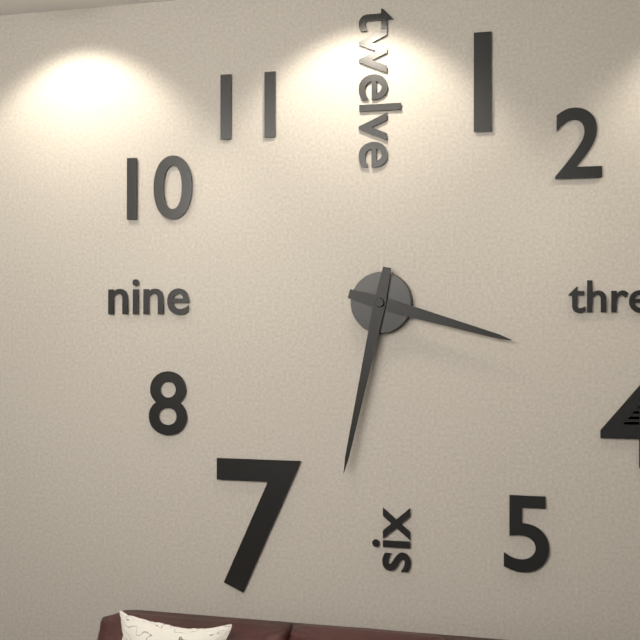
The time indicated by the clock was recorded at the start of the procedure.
3:32
